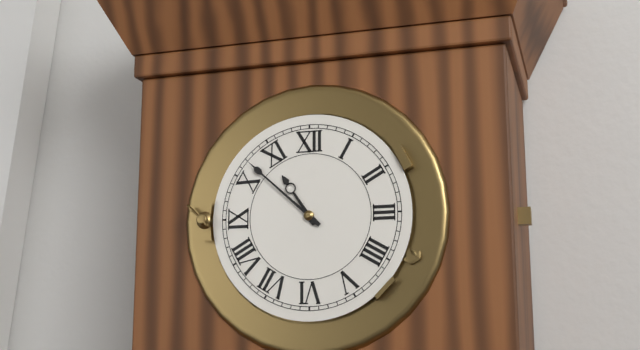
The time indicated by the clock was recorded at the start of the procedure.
10:52
